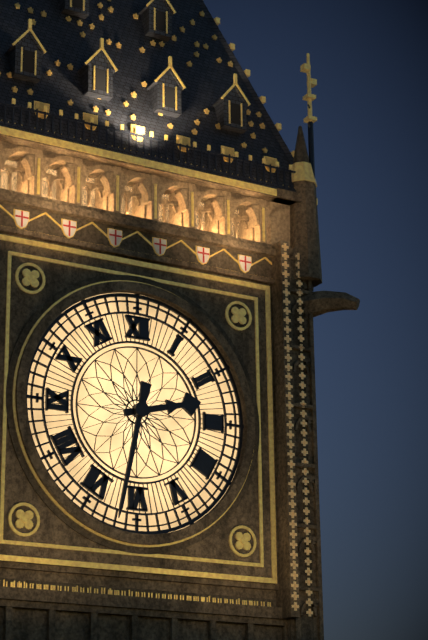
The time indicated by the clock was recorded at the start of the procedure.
2:32
